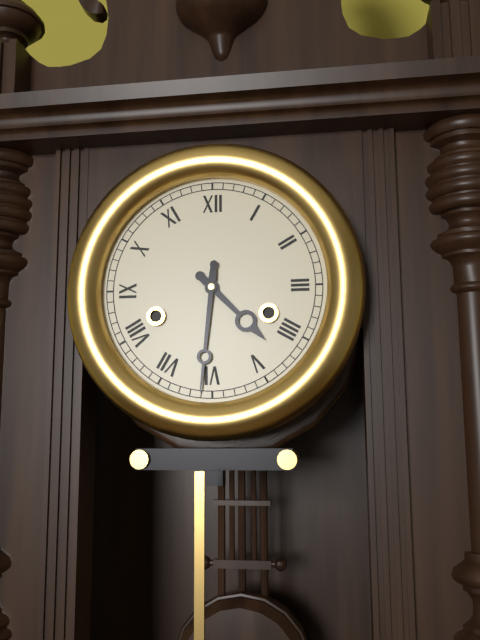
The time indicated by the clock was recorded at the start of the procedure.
4:31
